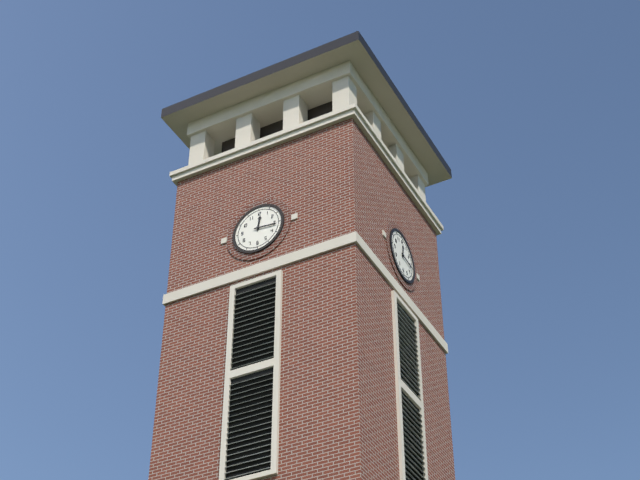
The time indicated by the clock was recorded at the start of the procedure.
12:16
